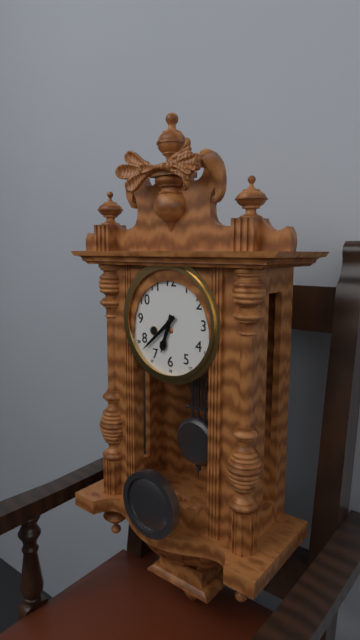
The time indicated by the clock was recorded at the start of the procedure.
6:38
